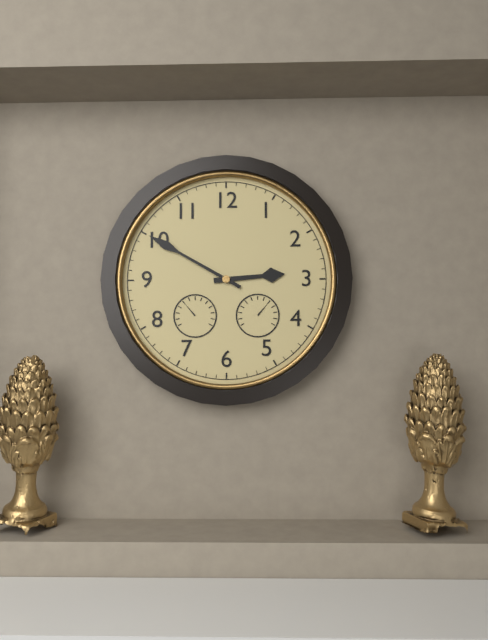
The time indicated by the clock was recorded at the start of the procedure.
2:50
